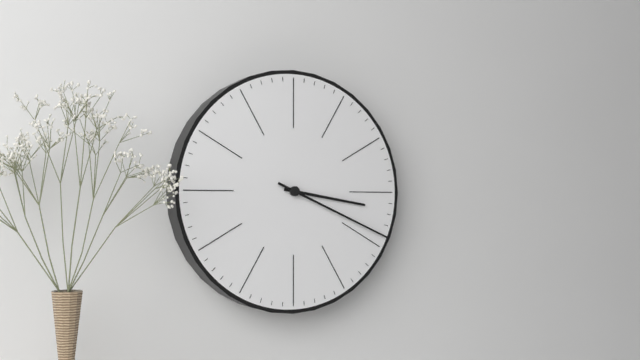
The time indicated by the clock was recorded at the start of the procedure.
3:19
